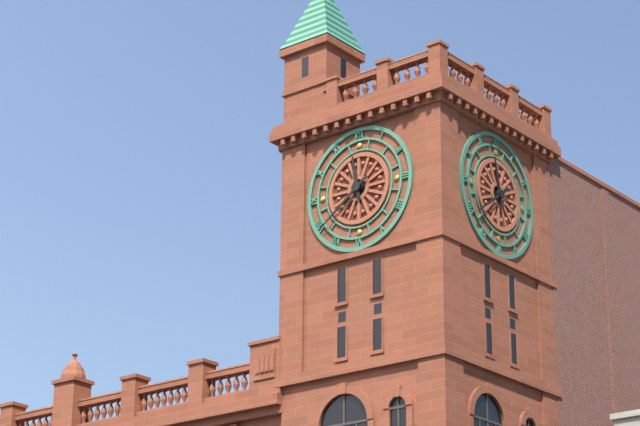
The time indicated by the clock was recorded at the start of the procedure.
11:39
